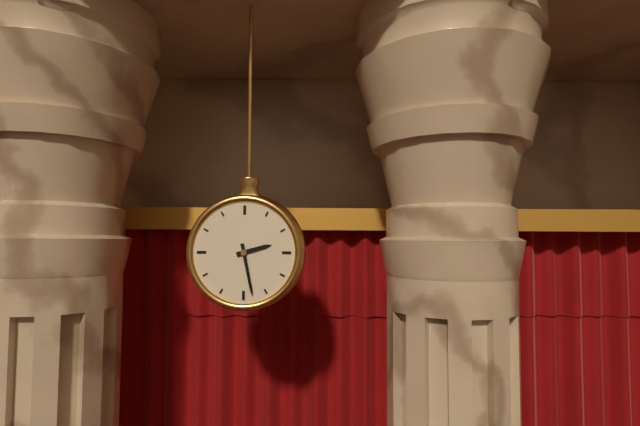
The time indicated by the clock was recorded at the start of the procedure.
2:28
